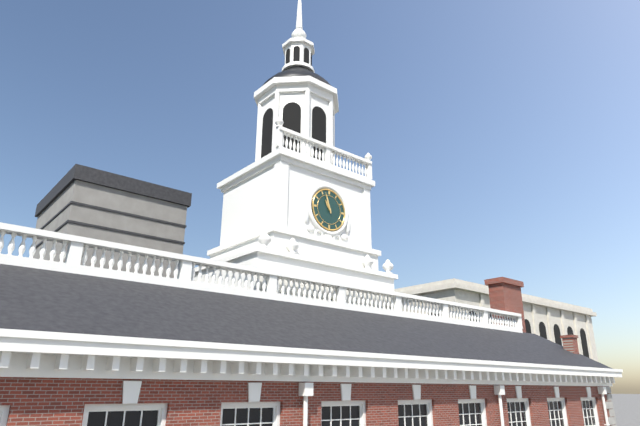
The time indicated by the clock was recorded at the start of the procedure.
10:57
